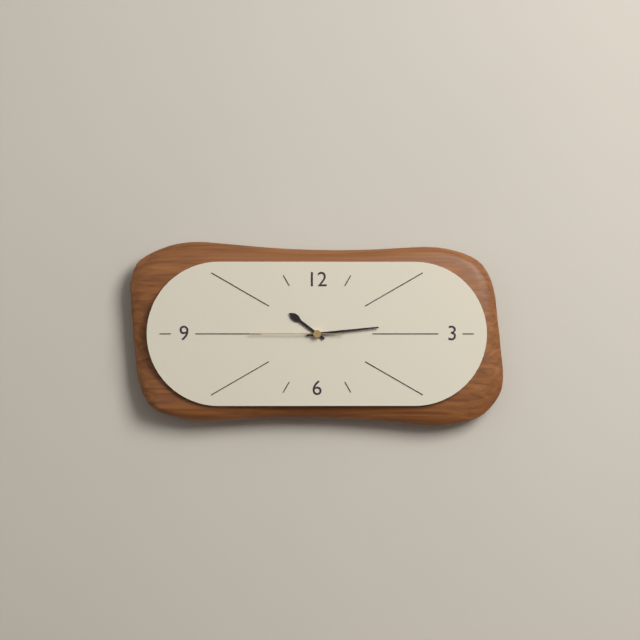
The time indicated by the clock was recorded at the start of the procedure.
10:14:45
